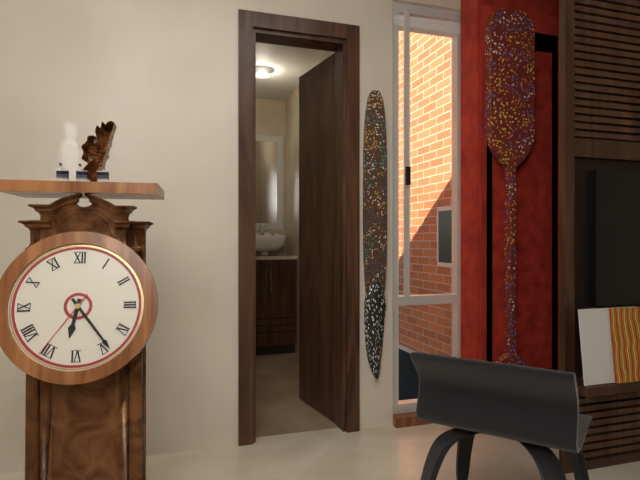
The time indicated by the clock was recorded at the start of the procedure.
6:24:36
